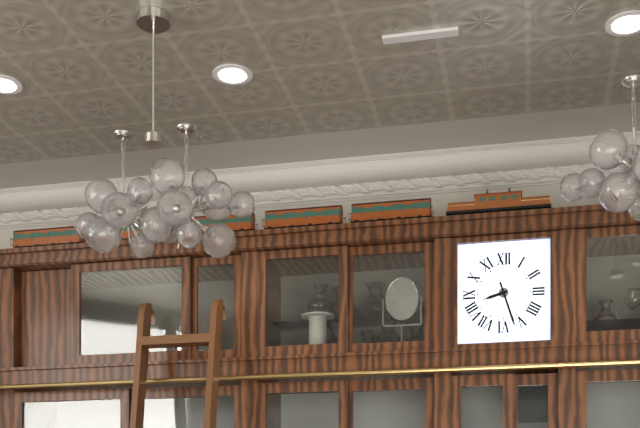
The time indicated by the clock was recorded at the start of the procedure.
8:27
